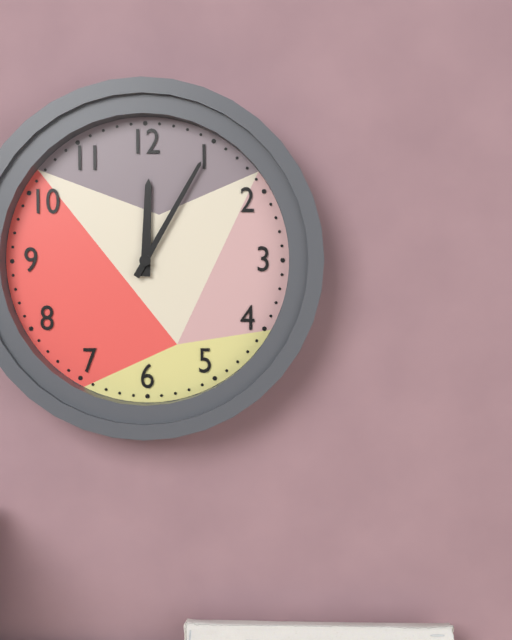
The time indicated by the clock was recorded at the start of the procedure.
12:05
